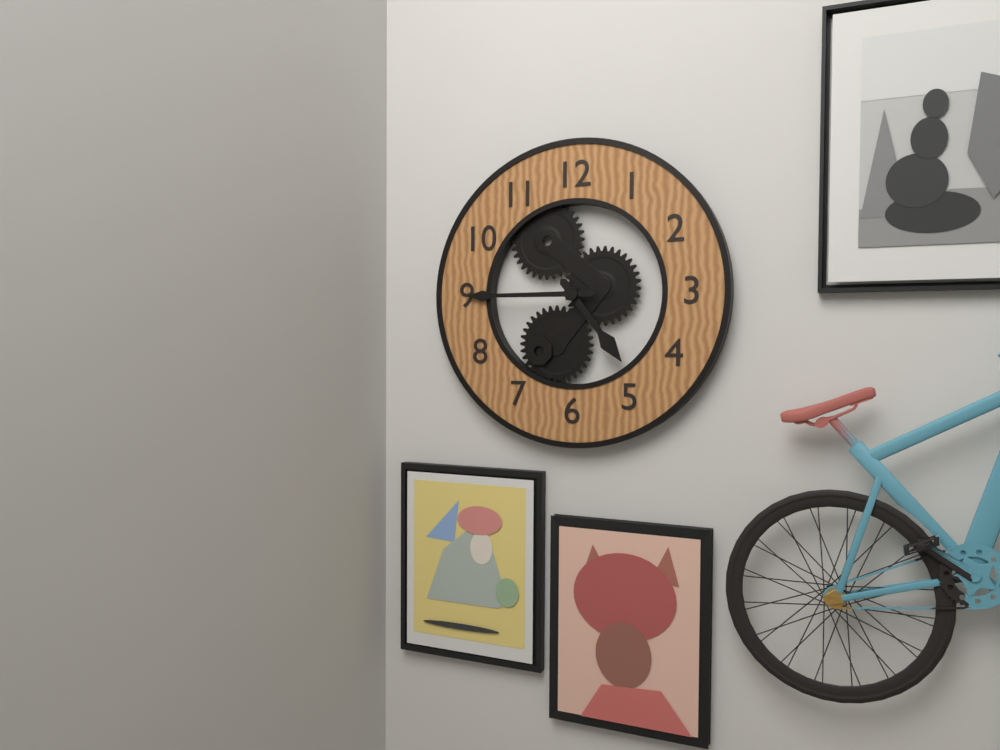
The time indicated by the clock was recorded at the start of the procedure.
4:45
